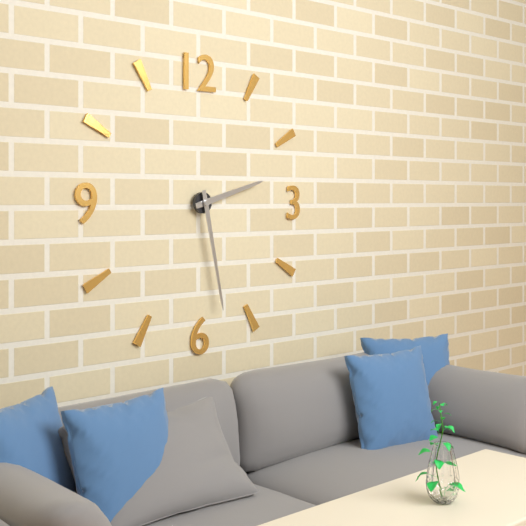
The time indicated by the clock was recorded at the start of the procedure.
2:28
